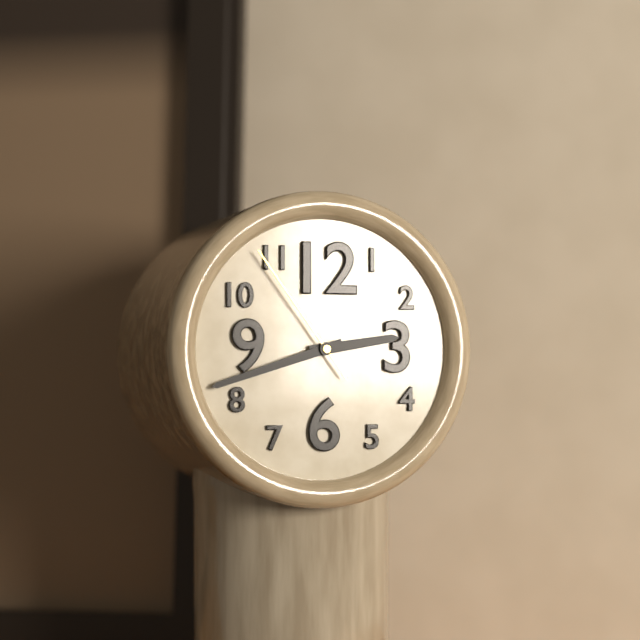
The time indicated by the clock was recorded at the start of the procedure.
2:42:54
